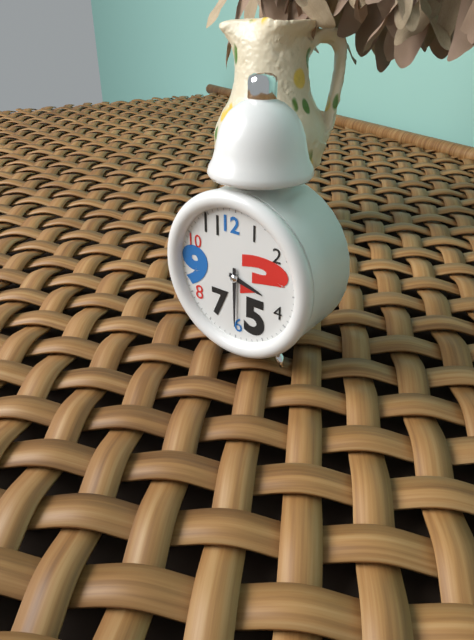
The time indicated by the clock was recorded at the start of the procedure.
3:30
